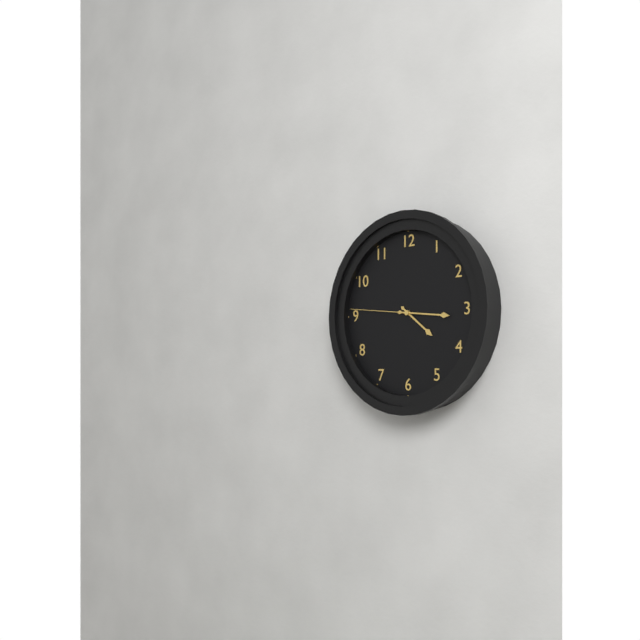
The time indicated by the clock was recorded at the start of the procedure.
4:16:46
